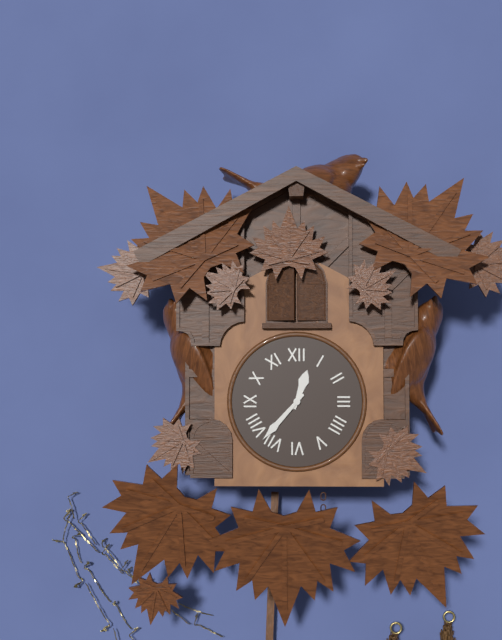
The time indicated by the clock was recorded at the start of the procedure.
12:37
